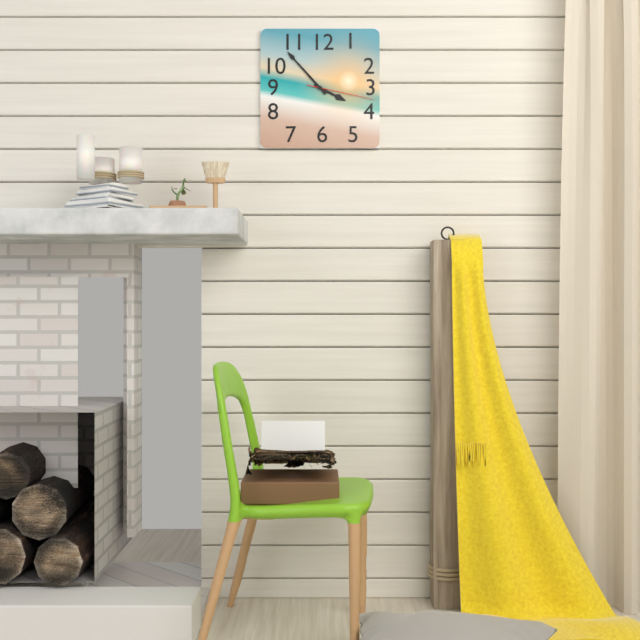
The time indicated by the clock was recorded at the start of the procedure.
3:53:17
